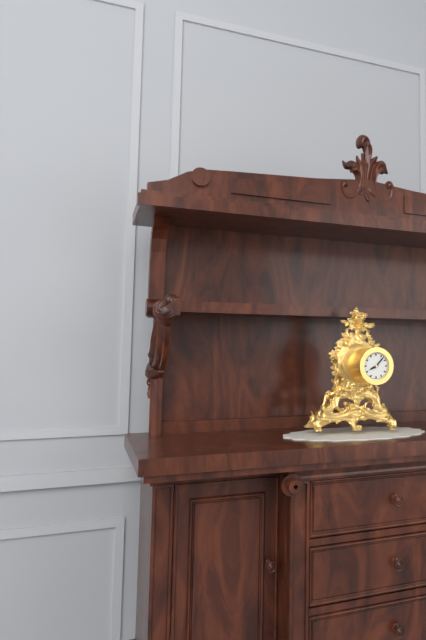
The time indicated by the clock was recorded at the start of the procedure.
8:07
